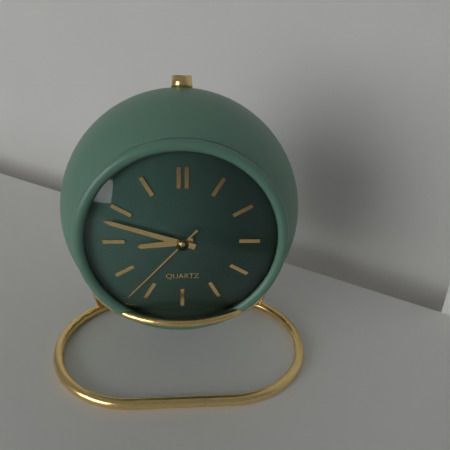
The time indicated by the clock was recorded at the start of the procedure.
8:48:37
